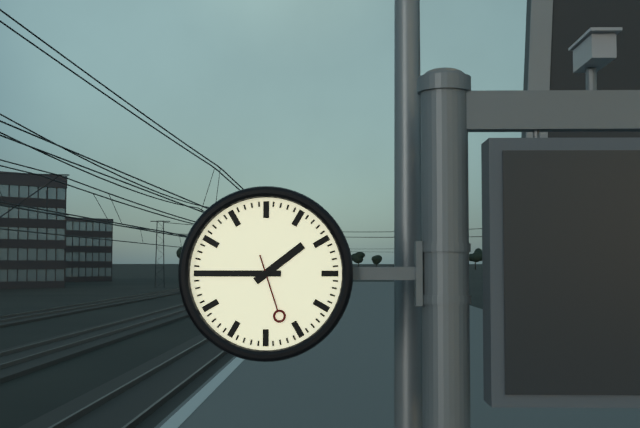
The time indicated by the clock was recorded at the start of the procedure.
1:45:27
